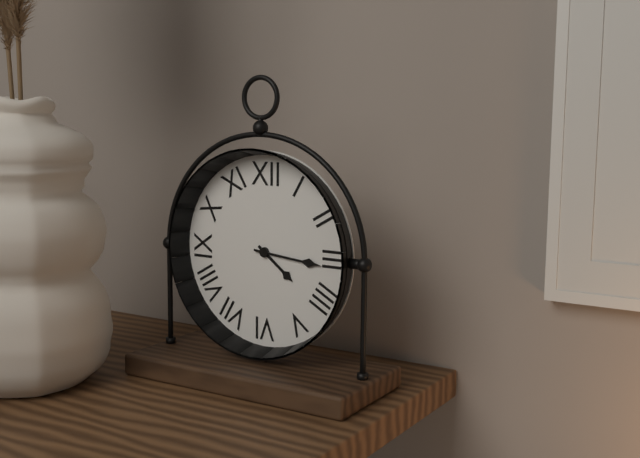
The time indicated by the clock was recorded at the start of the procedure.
4:16
